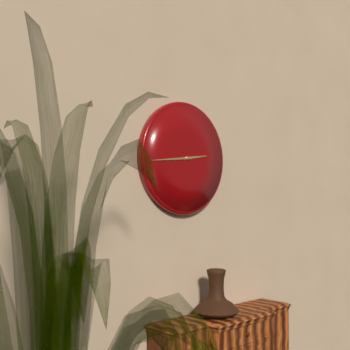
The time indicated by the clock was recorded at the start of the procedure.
2:44
